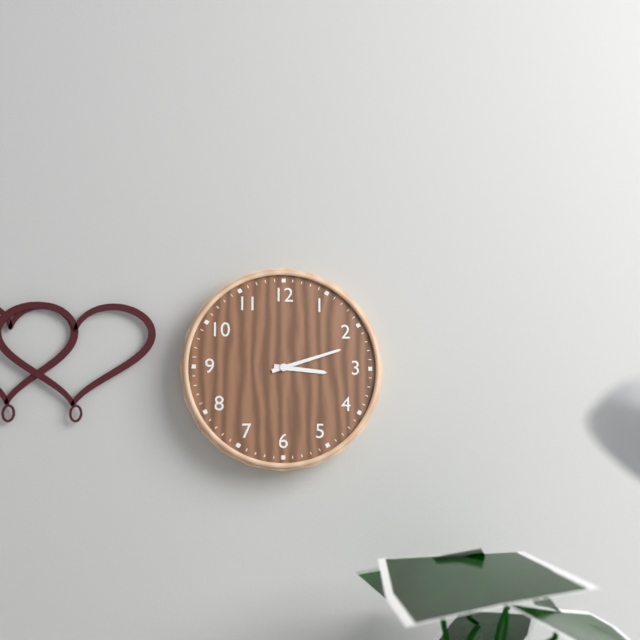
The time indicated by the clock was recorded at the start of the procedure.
3:12
